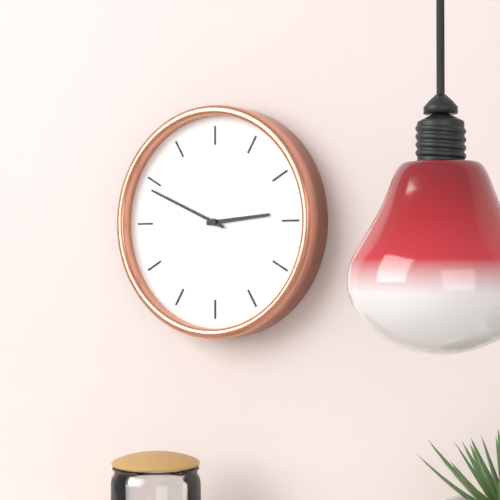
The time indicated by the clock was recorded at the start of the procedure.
2:49
